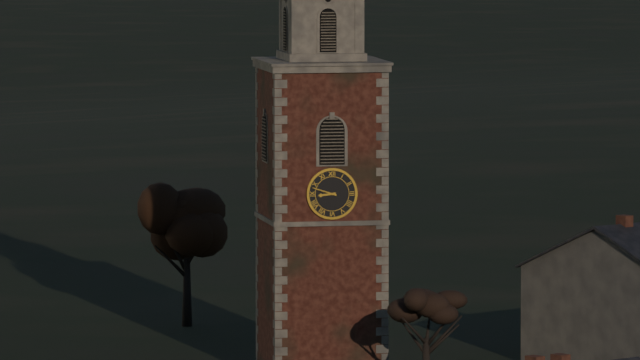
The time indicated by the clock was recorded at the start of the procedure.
8:48
